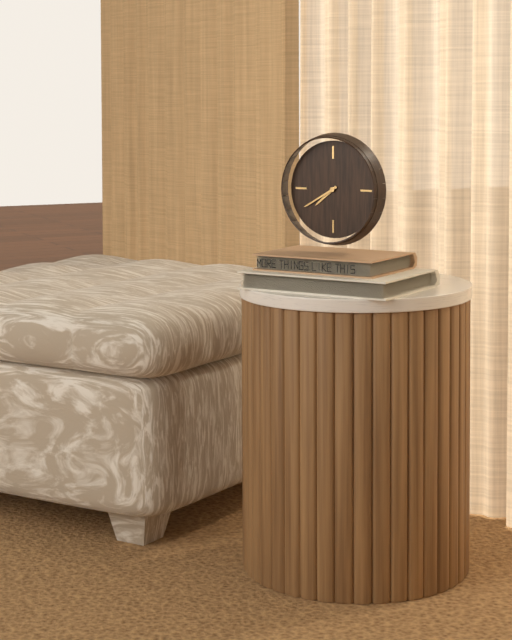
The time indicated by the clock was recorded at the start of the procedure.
7:40
